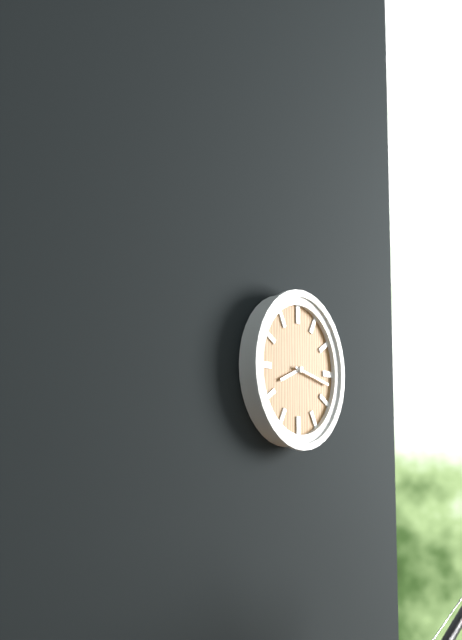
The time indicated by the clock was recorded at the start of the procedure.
8:17
